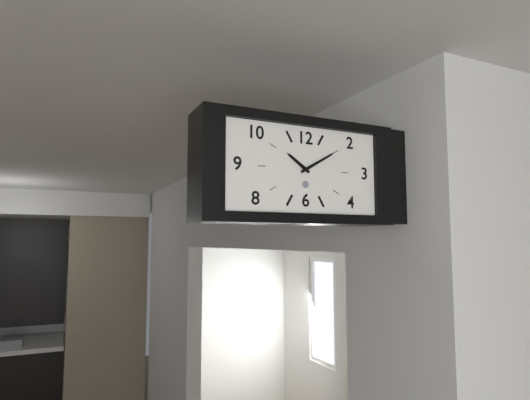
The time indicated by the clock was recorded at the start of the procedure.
10:10
